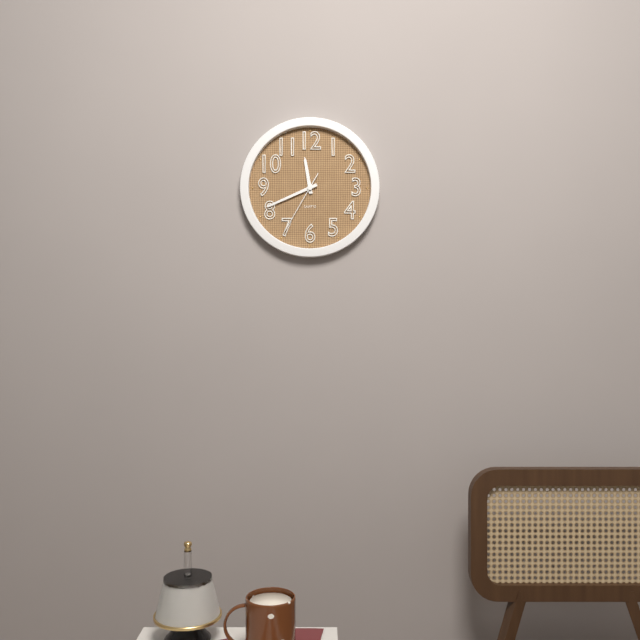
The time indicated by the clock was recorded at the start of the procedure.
11:41:35
